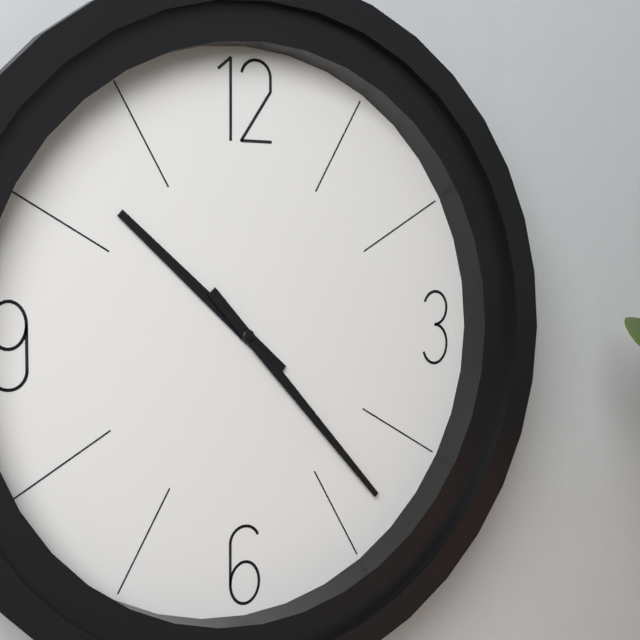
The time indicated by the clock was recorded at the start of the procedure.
10:23
